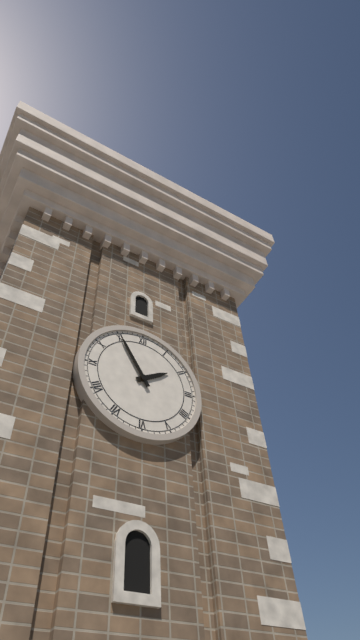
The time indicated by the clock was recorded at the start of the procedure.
1:55
